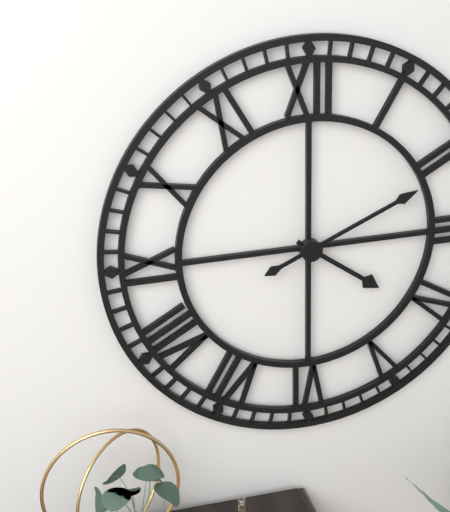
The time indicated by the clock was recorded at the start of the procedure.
4:11
